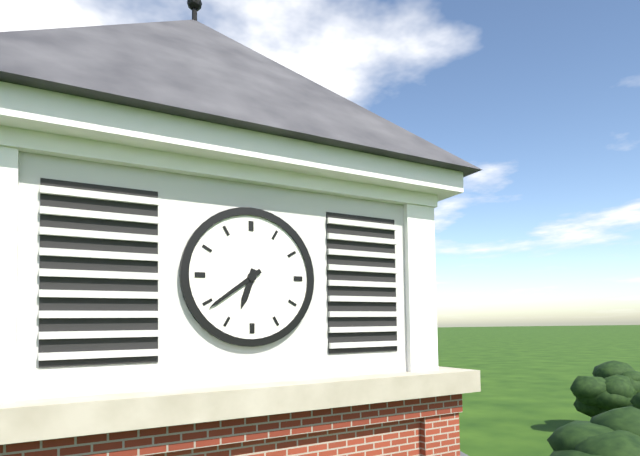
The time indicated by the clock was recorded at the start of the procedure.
6:39
